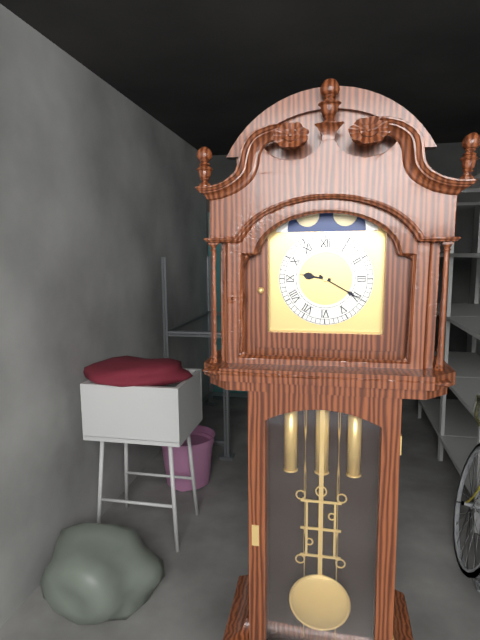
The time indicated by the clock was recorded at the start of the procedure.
9:20
